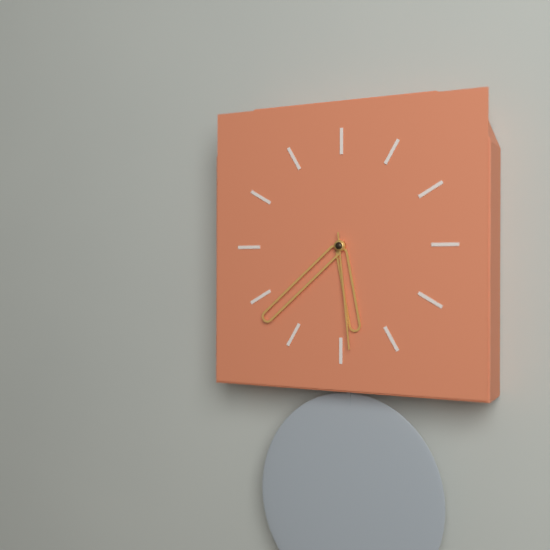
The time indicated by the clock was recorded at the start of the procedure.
5:38:29
